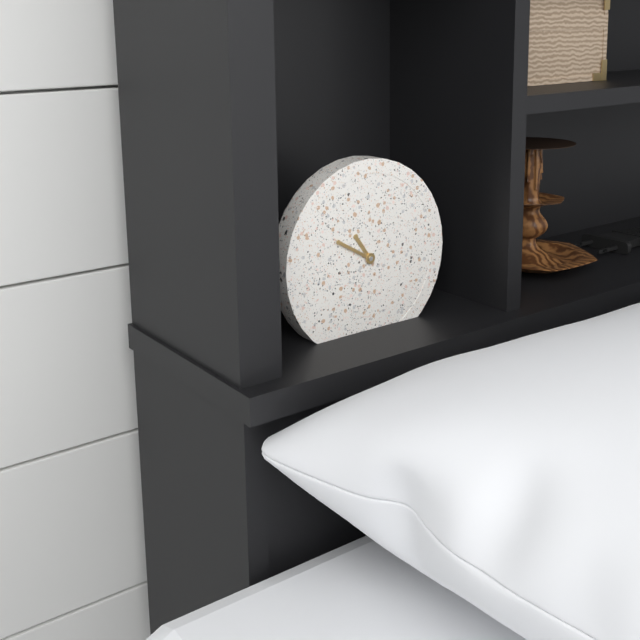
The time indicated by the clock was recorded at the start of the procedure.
10:50
